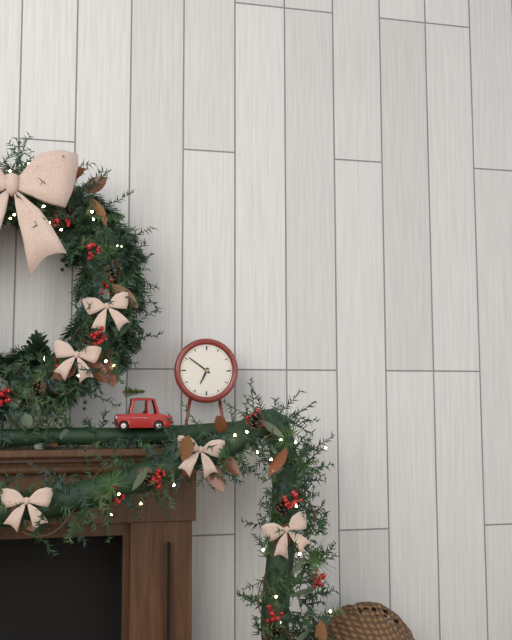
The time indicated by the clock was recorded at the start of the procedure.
6:51
